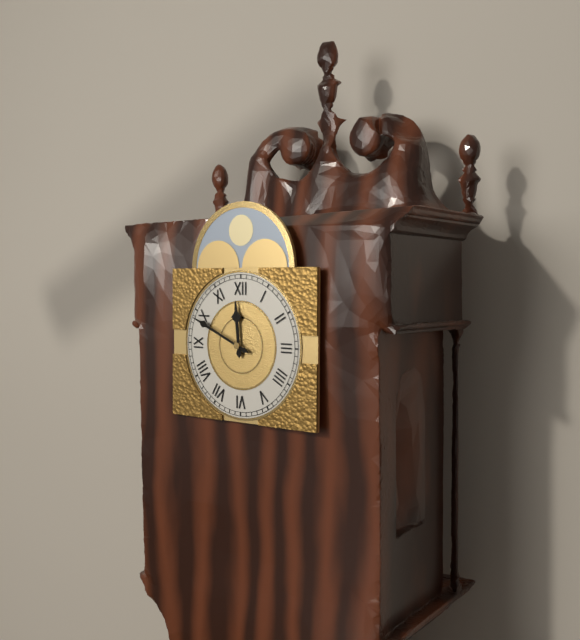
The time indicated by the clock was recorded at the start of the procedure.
11:49
